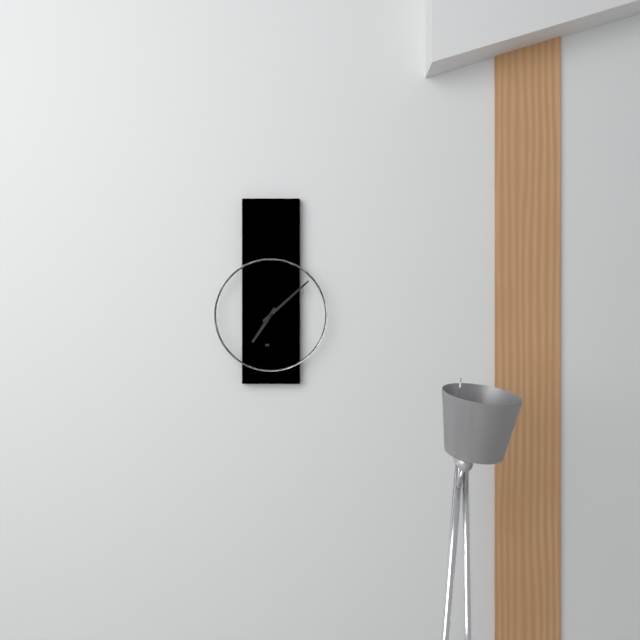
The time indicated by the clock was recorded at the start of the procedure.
7:08
